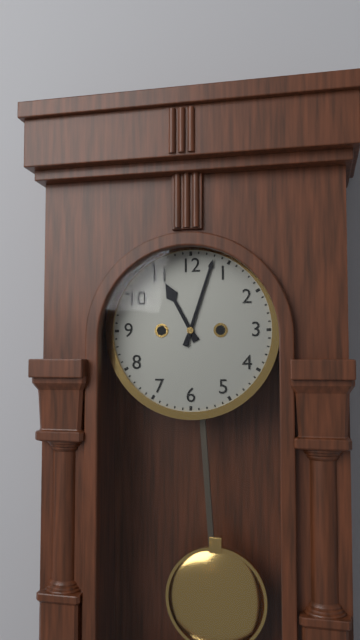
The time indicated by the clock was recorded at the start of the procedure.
11:03
